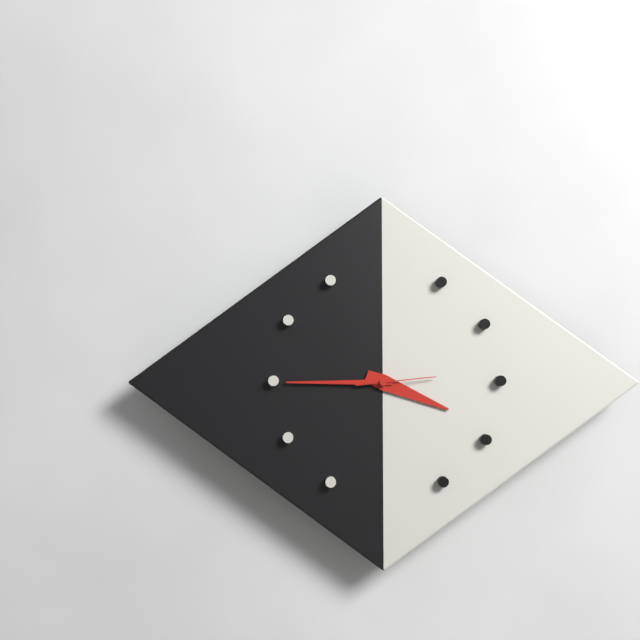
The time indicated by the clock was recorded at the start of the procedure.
3:45:14
